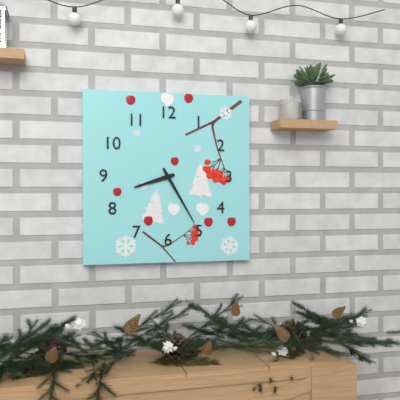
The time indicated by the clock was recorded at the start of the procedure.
8:25
